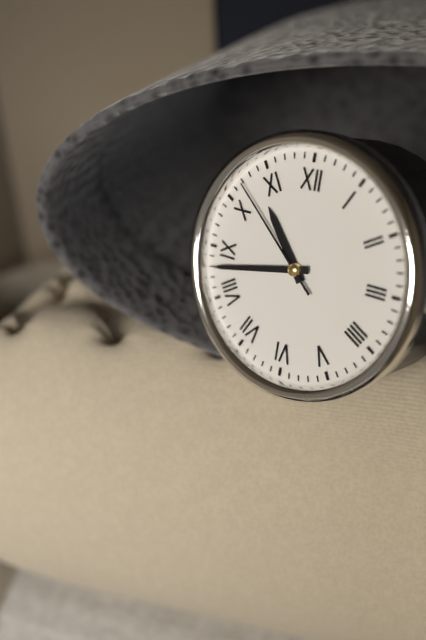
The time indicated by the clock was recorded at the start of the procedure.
10:43:52
